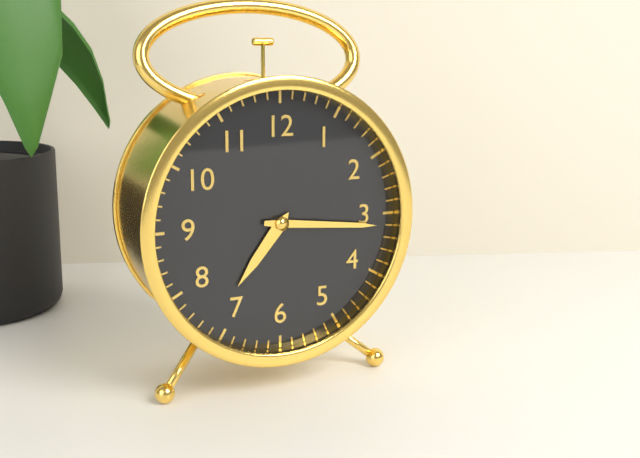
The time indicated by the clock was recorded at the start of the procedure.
7:16
